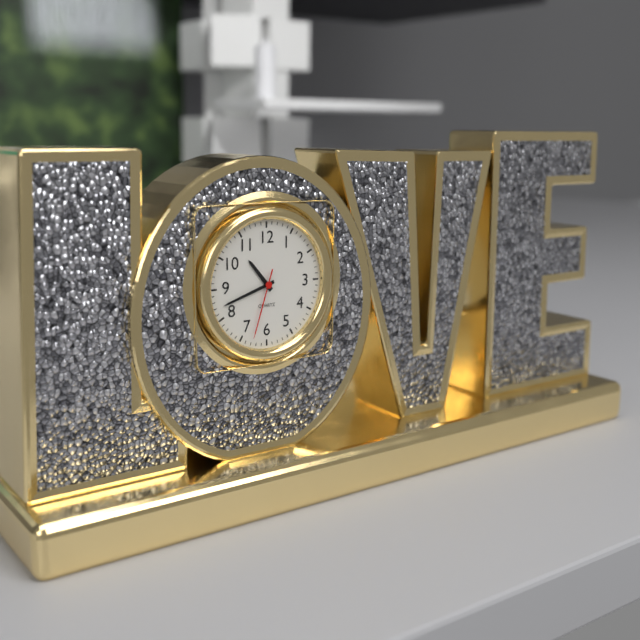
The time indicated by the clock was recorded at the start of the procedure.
10:42:33
